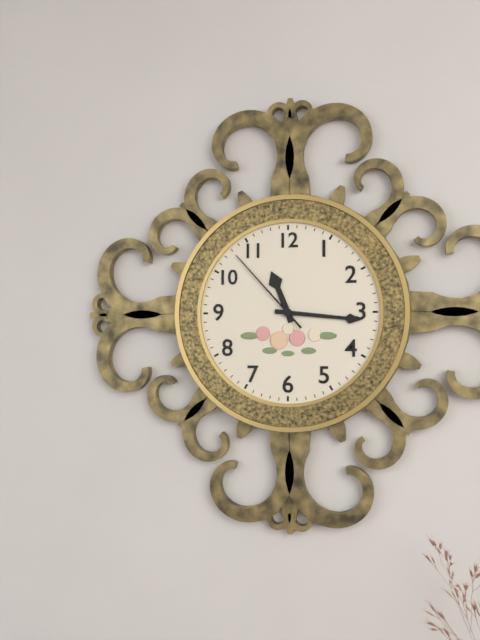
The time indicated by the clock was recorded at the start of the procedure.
11:16:53
